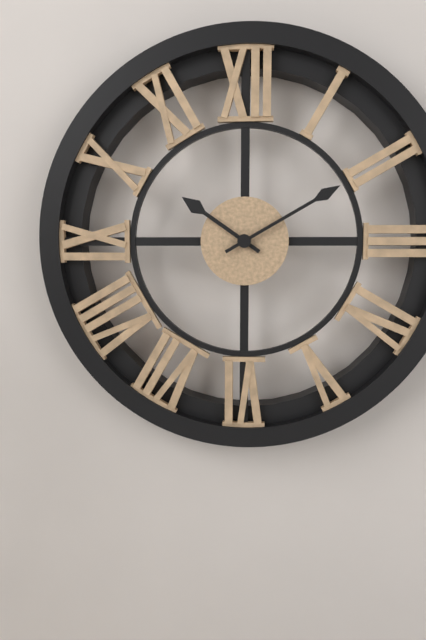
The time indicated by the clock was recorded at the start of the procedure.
10:10
